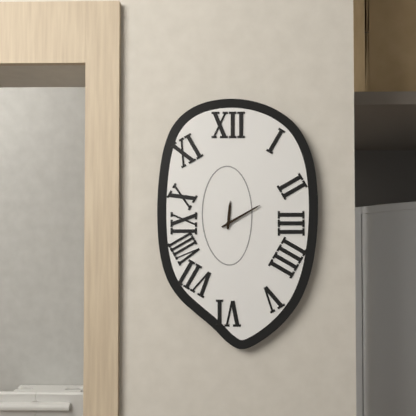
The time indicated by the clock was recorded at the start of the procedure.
12:10
